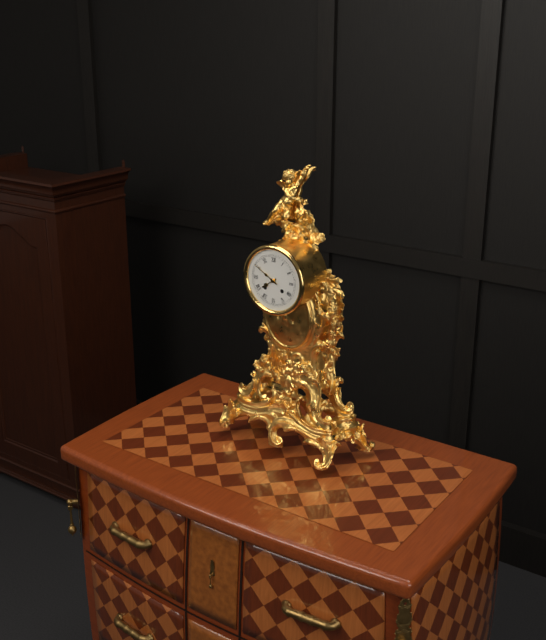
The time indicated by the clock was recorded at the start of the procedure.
7:50
